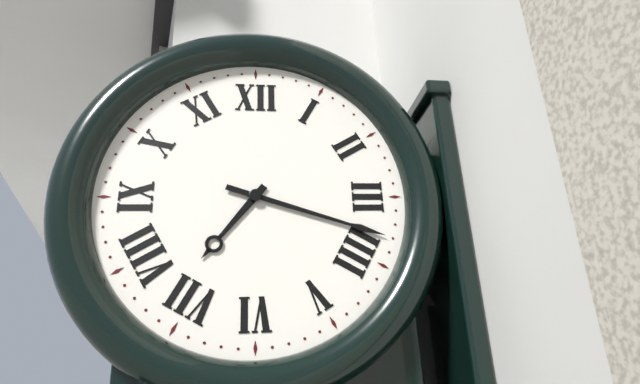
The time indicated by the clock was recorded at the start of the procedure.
7:18
